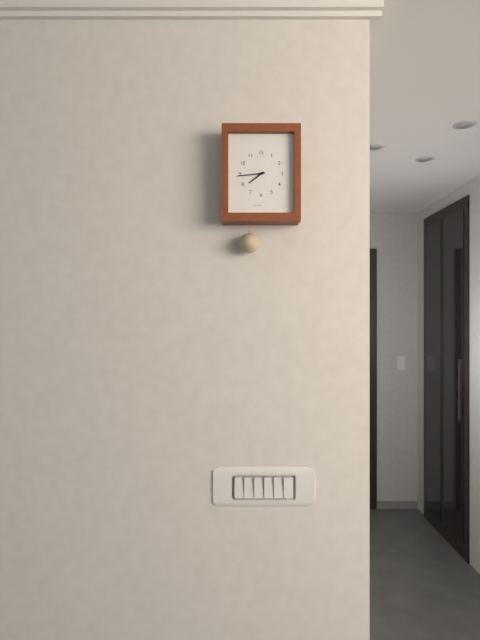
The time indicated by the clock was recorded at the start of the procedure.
7:44
